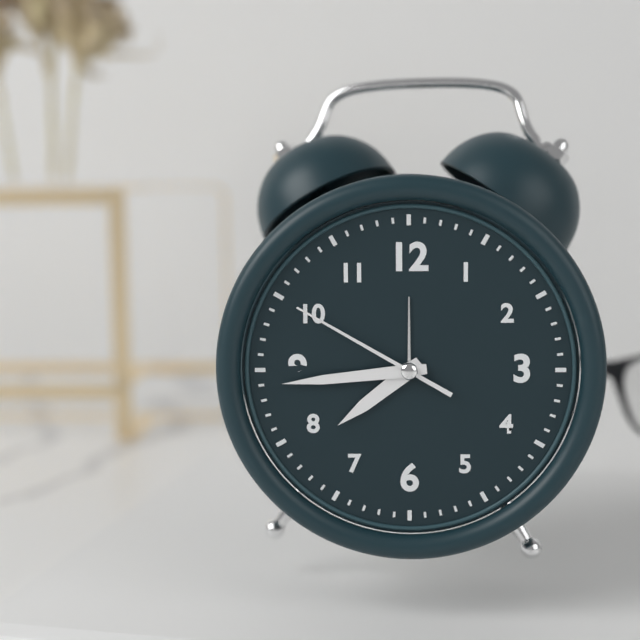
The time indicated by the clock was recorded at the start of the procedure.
7:44:50
